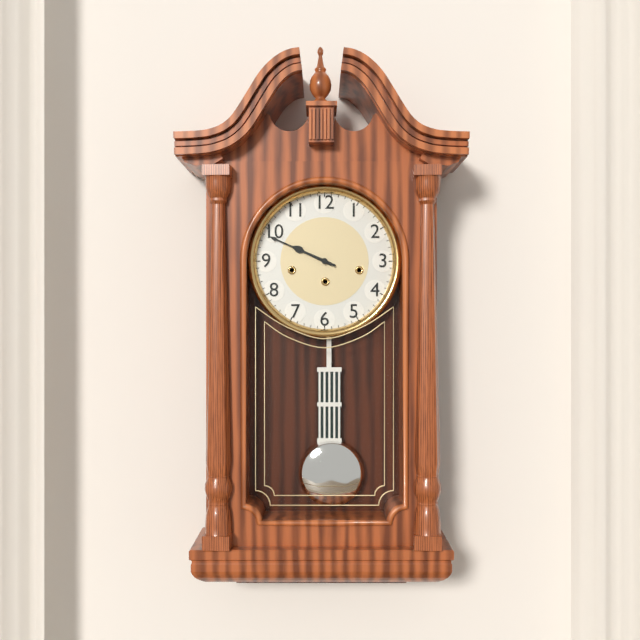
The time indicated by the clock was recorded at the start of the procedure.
9:49
